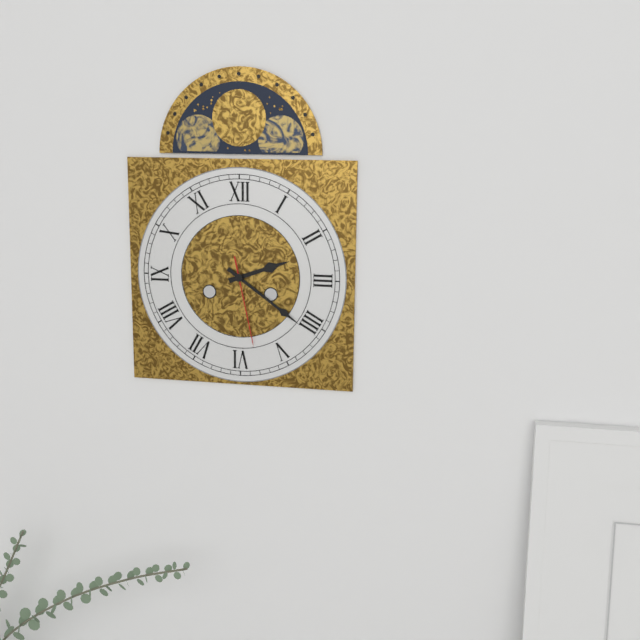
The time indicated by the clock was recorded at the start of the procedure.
2:21:28
